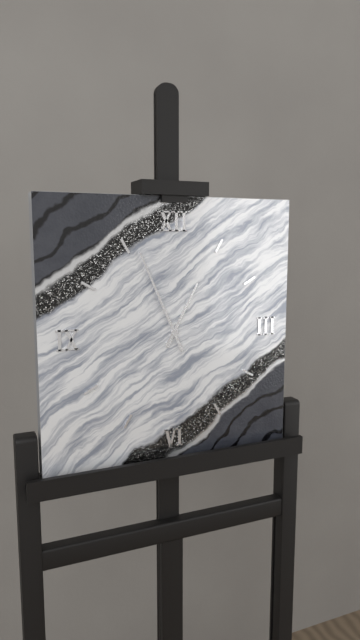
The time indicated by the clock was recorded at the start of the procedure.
12:56
